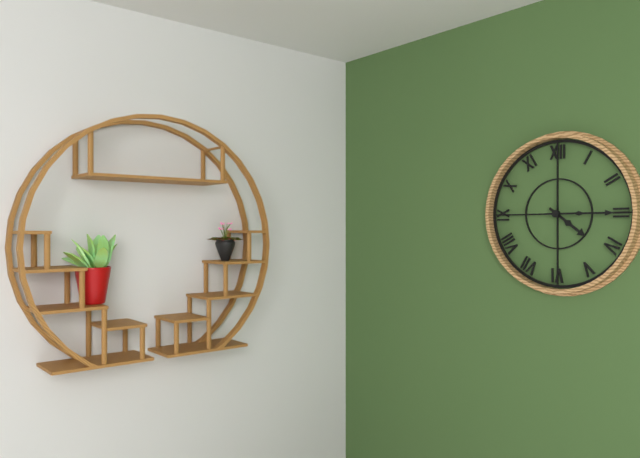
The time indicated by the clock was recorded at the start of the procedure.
4:15
